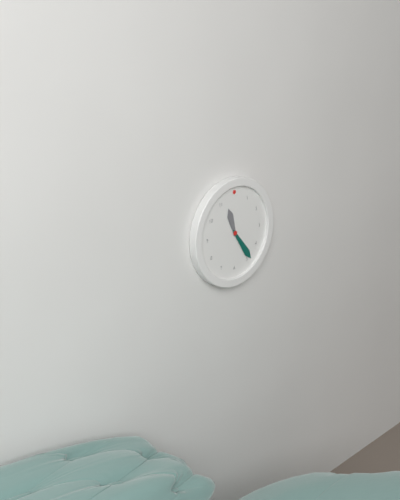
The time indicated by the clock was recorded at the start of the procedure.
11:24
